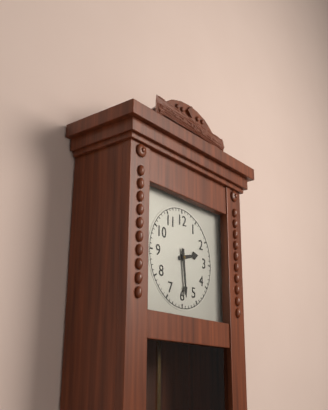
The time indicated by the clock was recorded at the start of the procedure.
2:29
